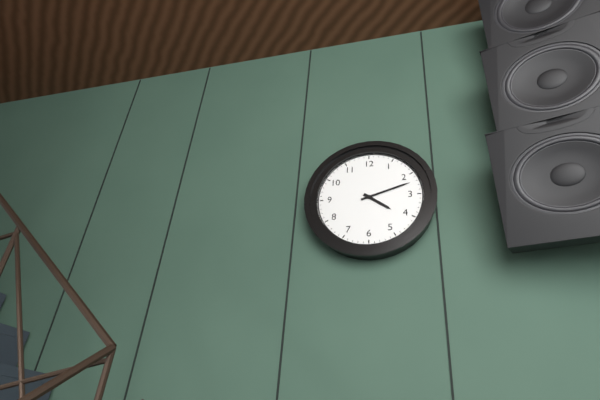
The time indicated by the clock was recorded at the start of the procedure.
4:12
